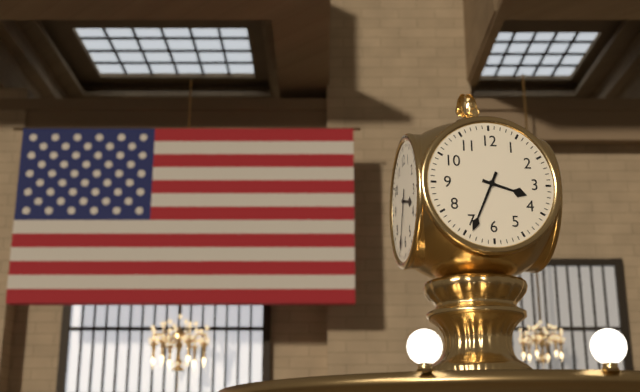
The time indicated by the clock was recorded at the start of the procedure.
3:34
